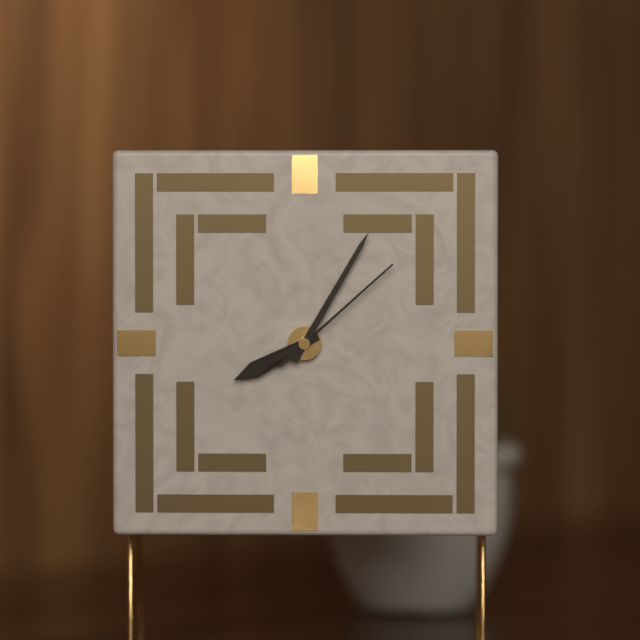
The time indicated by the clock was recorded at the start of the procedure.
8:05:08
